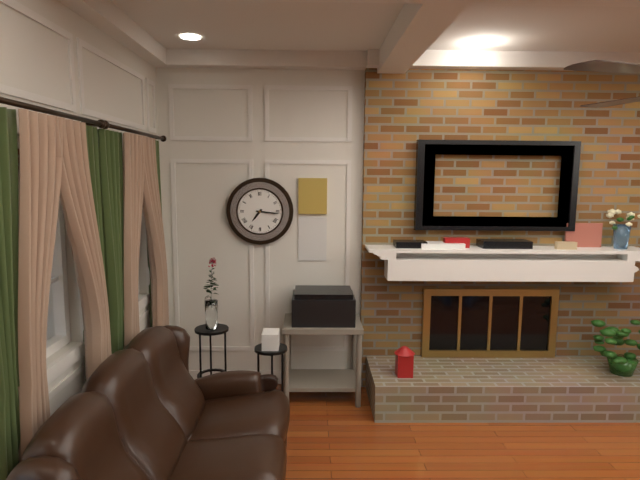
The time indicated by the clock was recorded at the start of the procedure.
7:16
